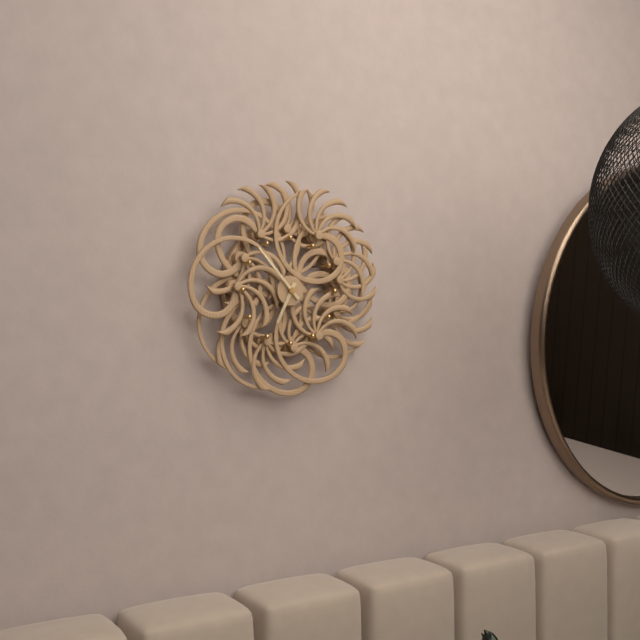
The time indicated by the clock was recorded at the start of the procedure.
6:53
